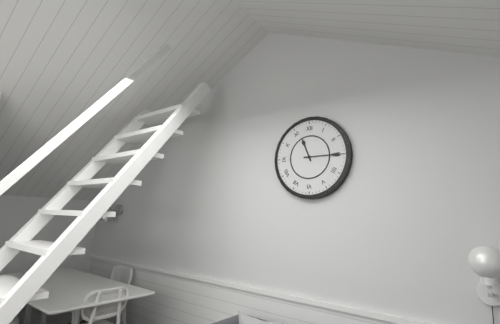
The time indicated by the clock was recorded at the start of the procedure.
11:15
